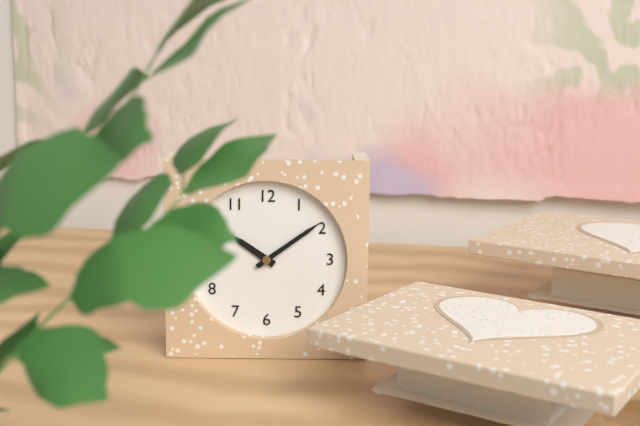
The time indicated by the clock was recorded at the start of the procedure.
10:09
